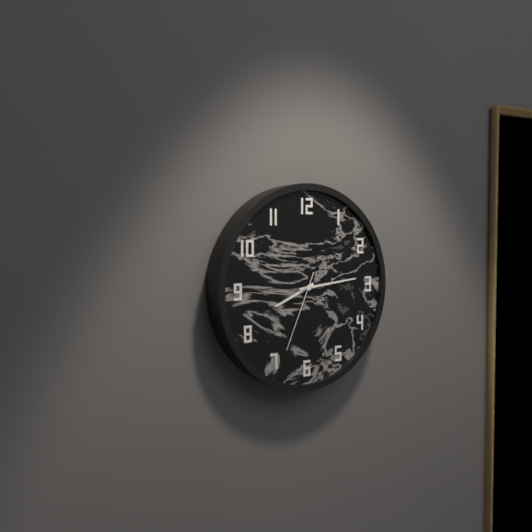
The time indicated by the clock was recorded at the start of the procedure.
8:14:34
